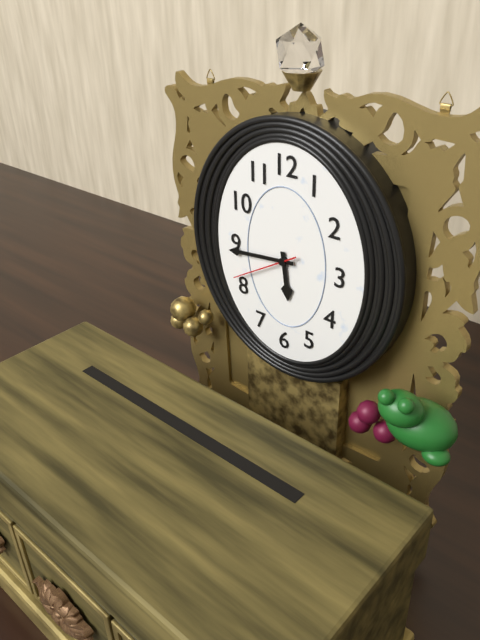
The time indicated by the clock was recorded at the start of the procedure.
5:44:40
